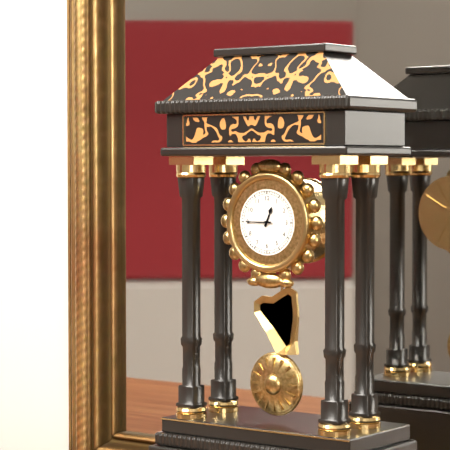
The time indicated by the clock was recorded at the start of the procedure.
12:45
